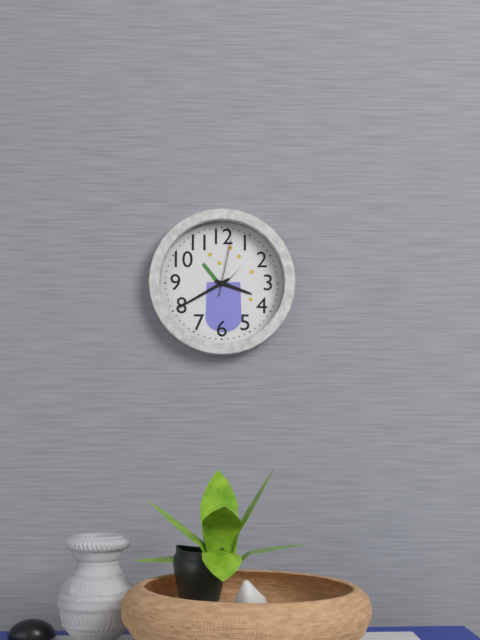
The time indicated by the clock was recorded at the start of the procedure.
3:40:02
